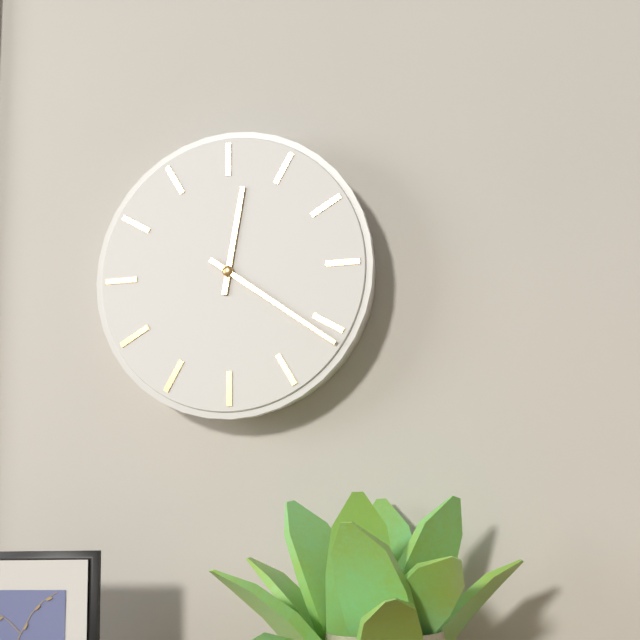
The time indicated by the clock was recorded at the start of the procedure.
12:21
